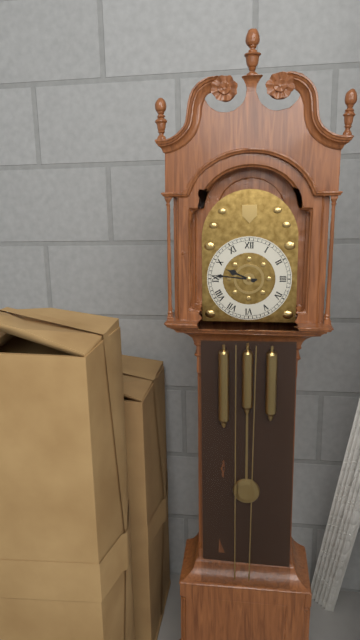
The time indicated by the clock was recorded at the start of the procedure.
9:46
